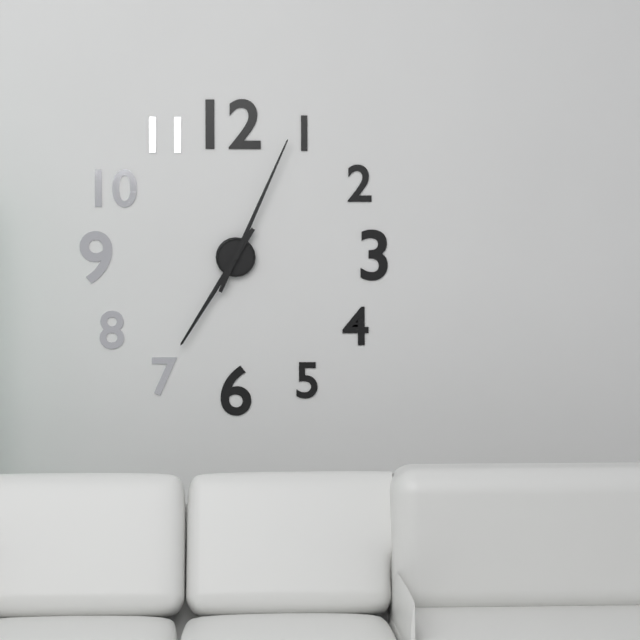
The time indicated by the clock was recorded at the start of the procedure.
7:04
